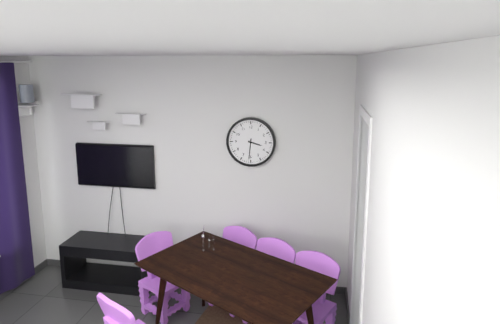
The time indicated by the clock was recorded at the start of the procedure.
3:31
